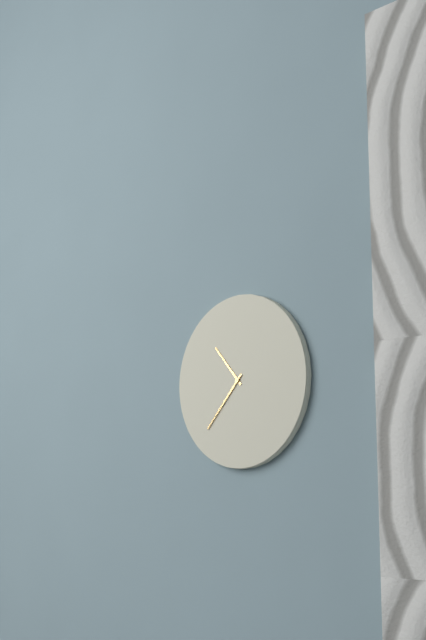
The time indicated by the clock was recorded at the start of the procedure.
10:37
